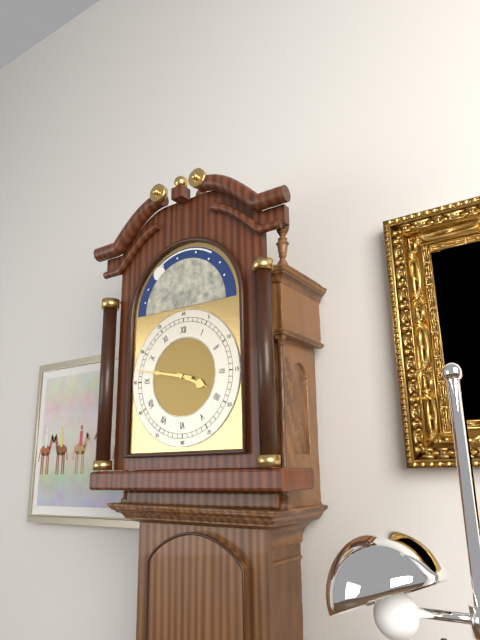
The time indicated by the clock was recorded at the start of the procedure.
3:47
